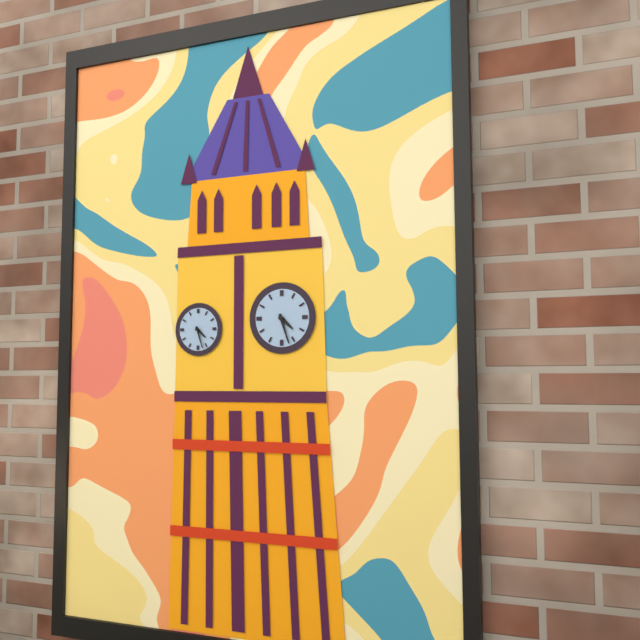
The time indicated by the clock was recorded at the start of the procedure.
4:27
